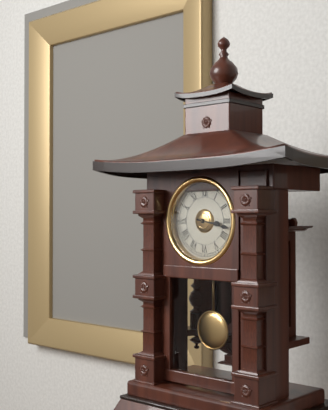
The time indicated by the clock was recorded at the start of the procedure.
3:17
